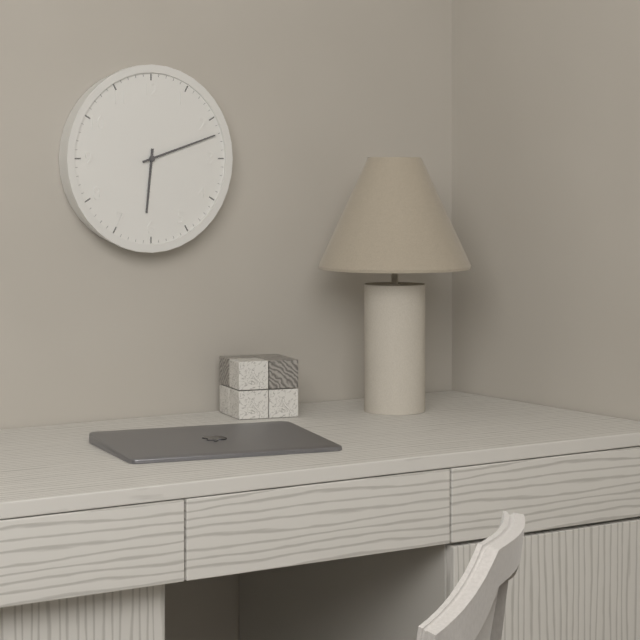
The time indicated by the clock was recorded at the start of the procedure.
6:12
